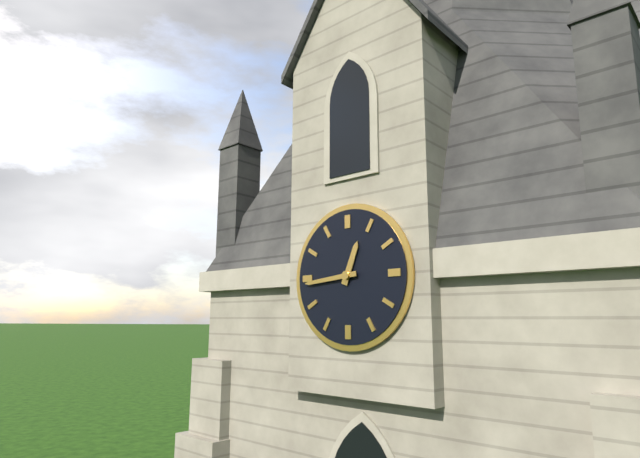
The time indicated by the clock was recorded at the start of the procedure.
12:44
